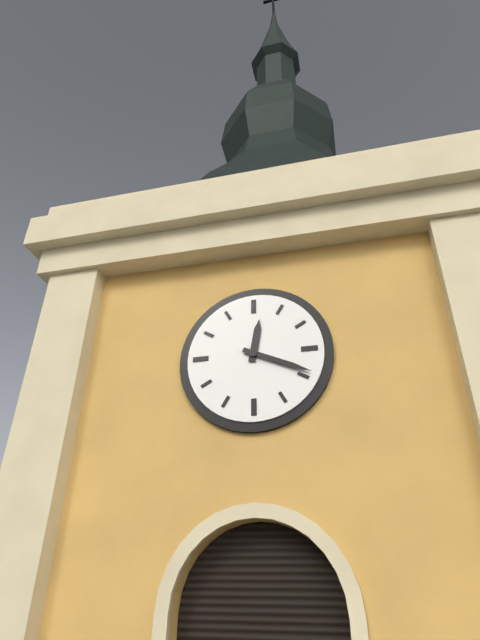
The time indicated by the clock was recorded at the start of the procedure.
12:19
